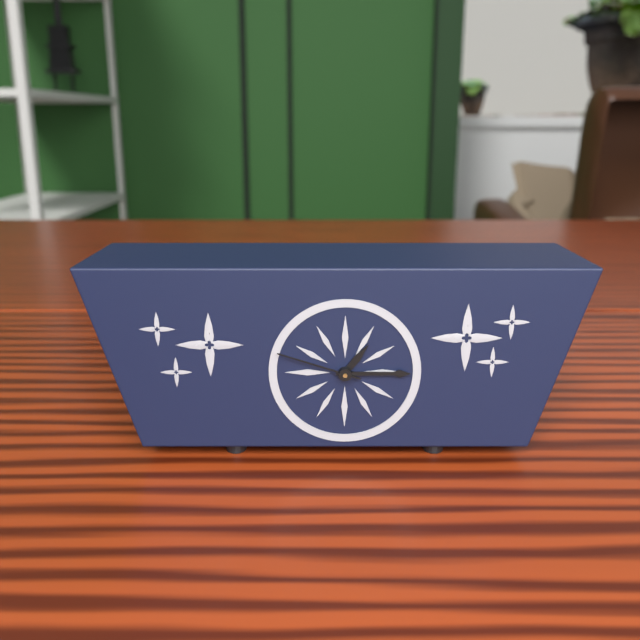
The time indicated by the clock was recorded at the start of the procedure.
1:15:48
